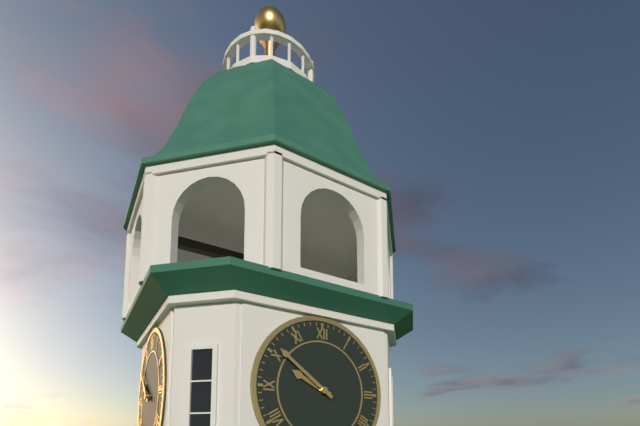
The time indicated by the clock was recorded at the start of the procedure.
9:51
